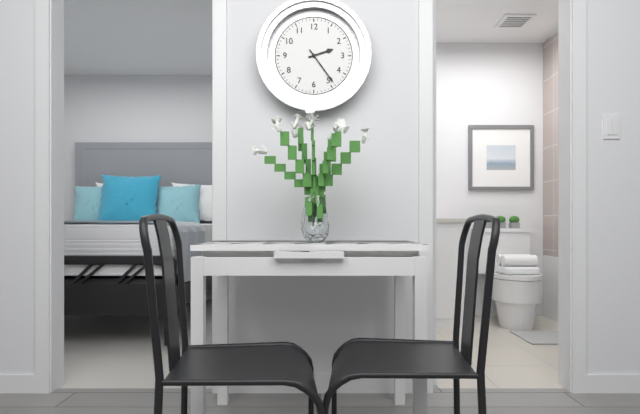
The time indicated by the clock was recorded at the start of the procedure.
2:24
